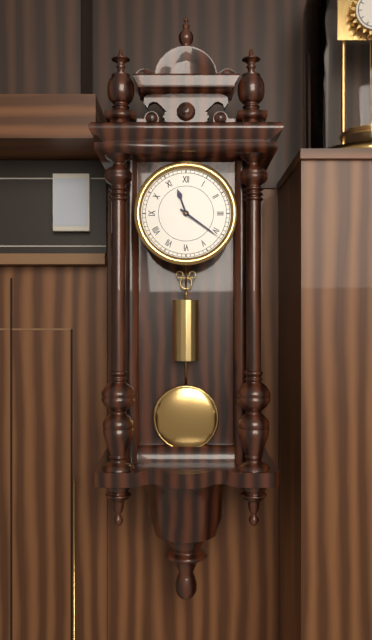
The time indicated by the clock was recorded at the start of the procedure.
11:21
